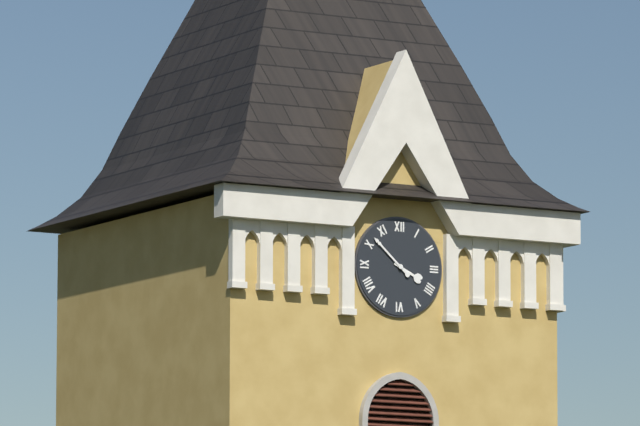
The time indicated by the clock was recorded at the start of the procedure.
3:52
